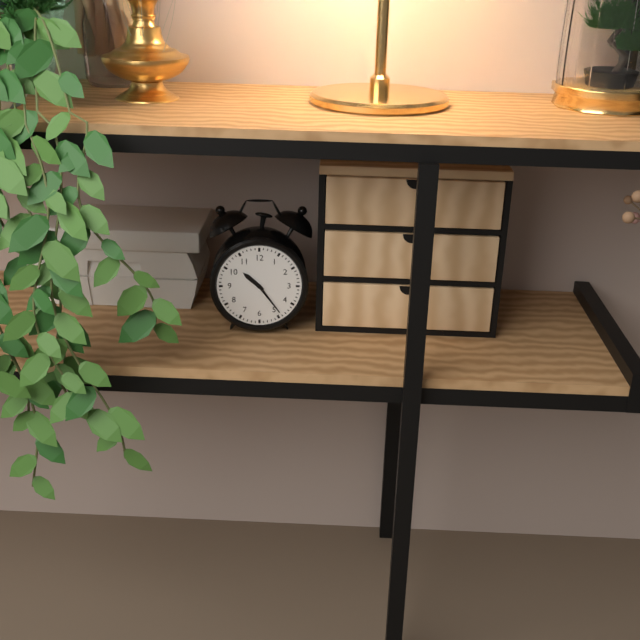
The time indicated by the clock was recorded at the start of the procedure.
10:24
